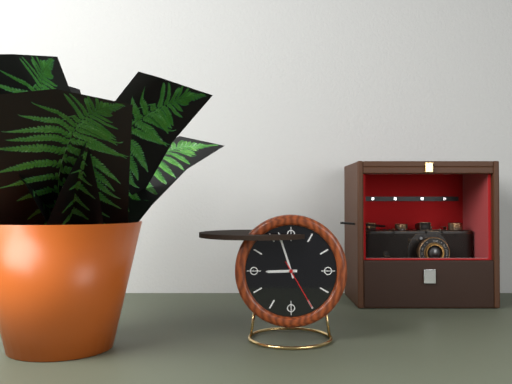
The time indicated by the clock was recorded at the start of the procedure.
8:57:25
